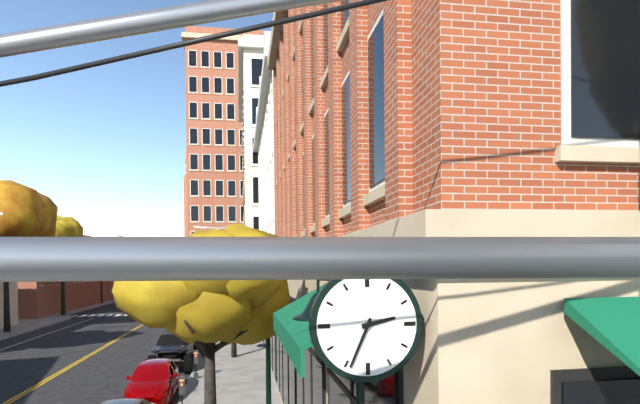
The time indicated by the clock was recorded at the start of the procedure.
2:34
